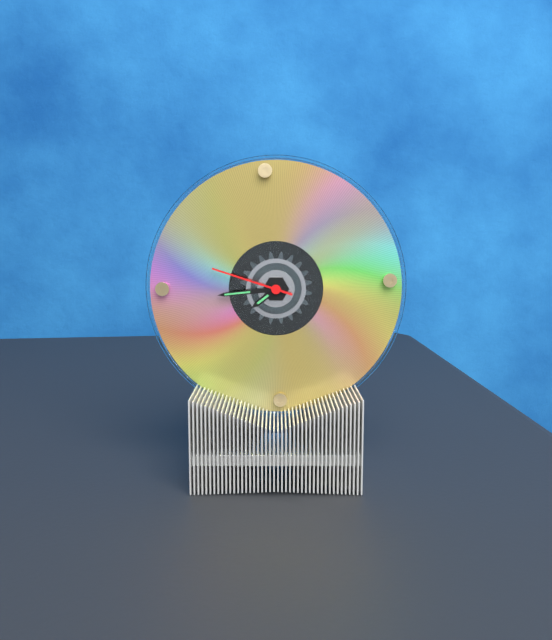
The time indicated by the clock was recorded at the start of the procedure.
7:44:48
